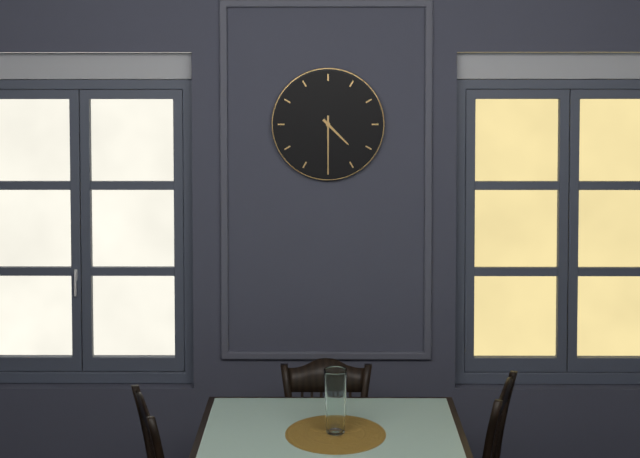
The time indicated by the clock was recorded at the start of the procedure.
4:30
